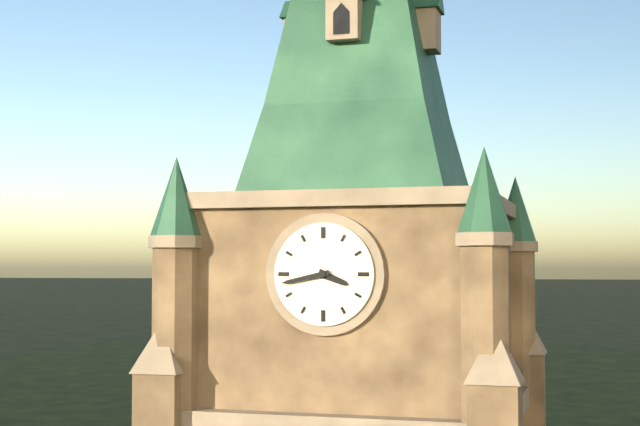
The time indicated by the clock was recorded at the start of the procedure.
3:43
